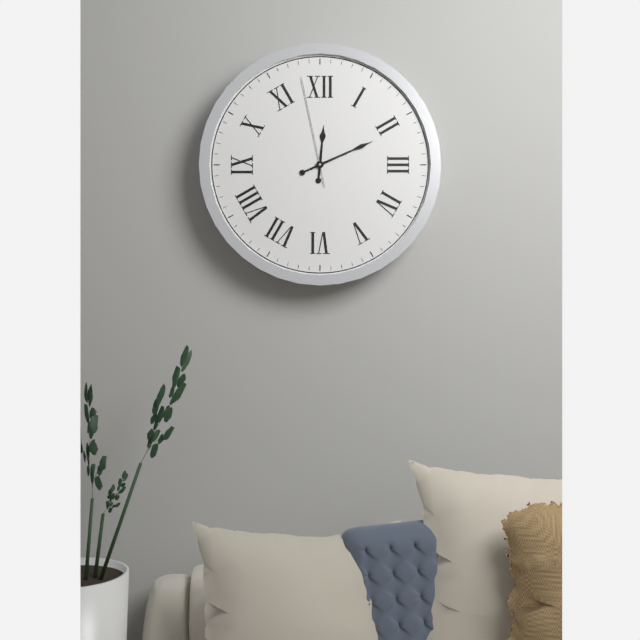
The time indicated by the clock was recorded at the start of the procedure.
12:11:58
